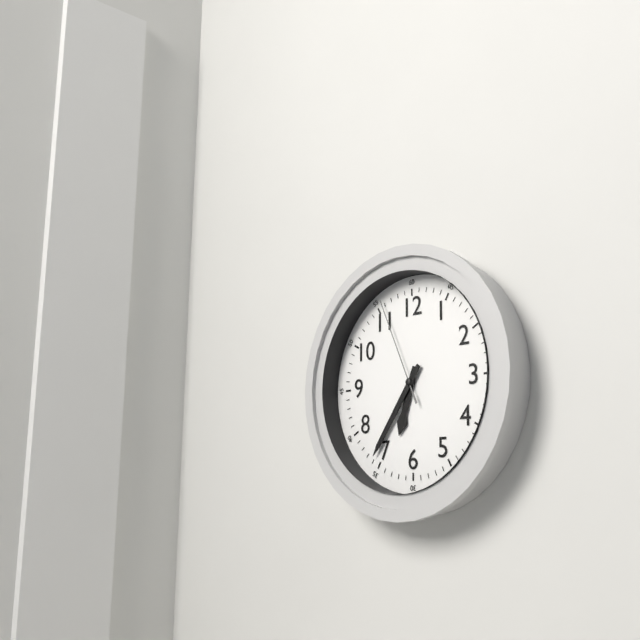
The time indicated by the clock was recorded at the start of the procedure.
6:36:56
